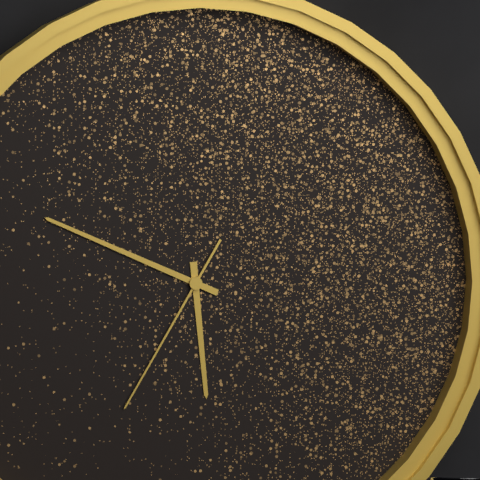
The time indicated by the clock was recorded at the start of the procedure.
5:49:35
